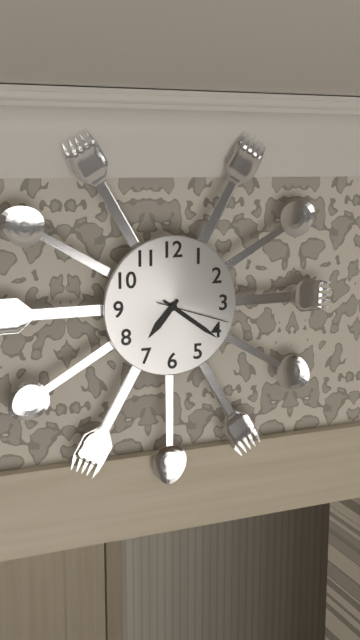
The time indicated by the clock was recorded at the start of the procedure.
7:21:18
